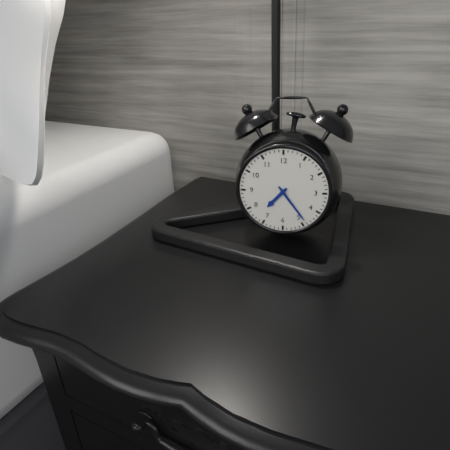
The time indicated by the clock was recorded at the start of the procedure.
7:24
